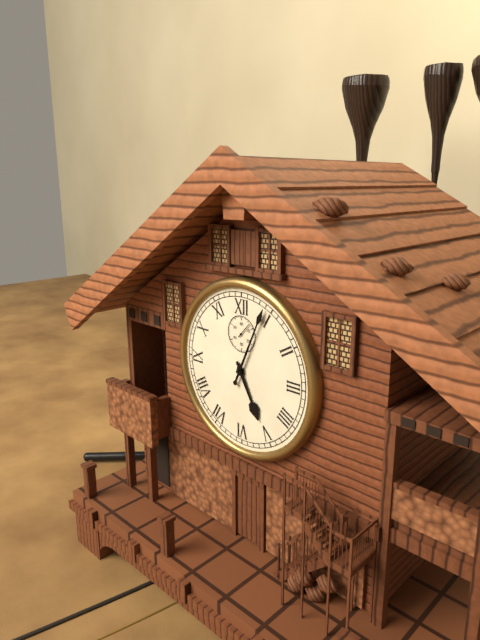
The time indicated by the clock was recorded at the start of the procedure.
5:04
